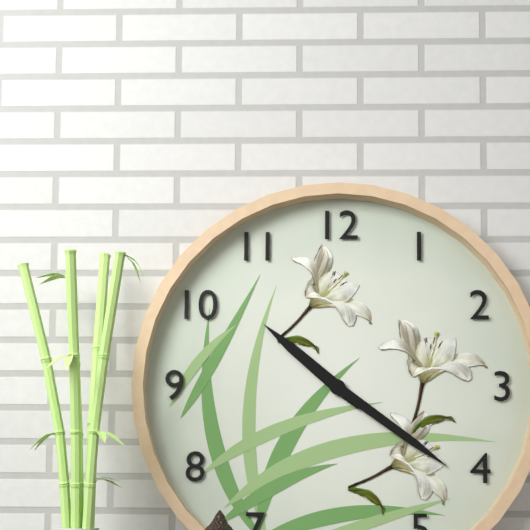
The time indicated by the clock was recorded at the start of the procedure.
10:21
